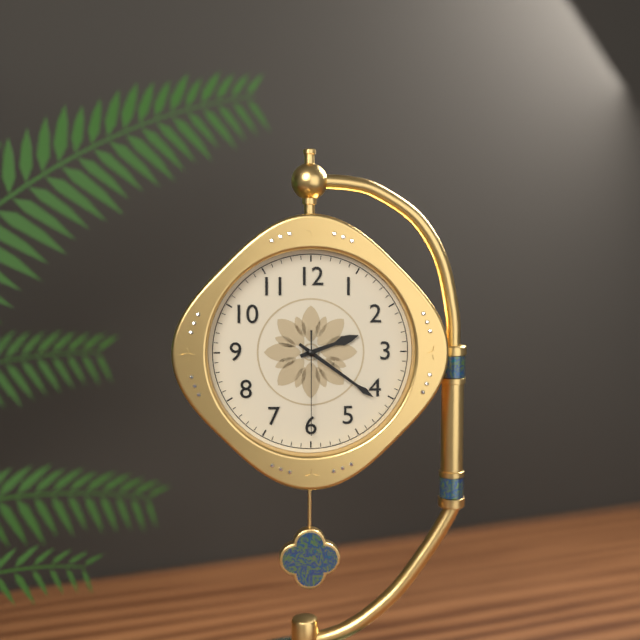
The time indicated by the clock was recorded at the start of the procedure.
2:21:30
